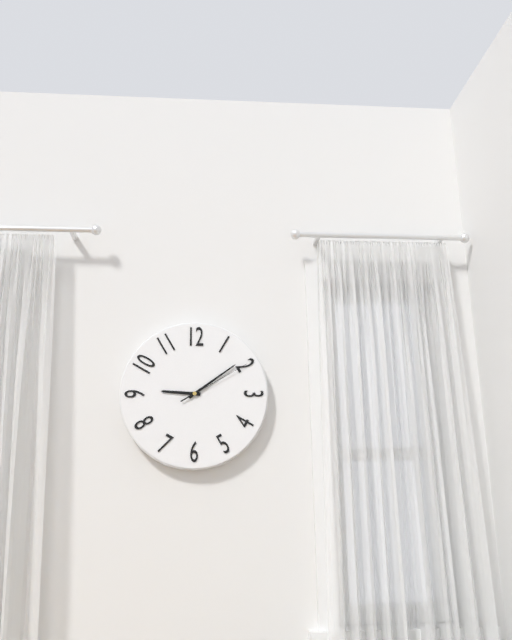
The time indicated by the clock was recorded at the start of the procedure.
9:09:10
